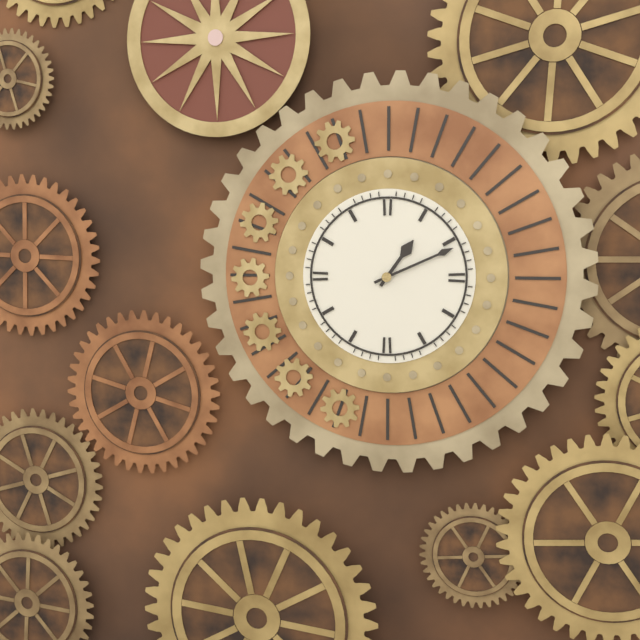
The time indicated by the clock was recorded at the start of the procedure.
1:11
